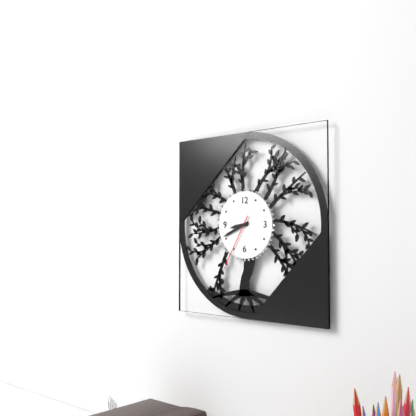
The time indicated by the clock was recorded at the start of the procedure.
8:41:35
